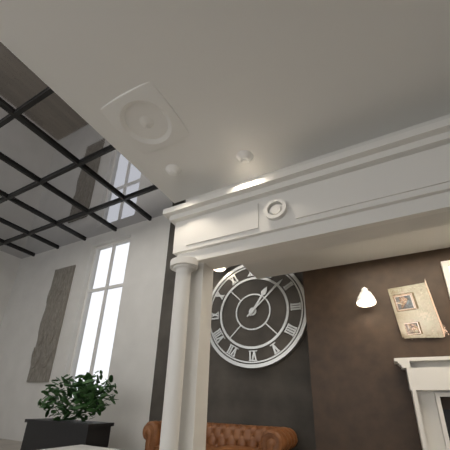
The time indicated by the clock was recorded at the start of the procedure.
1:08
